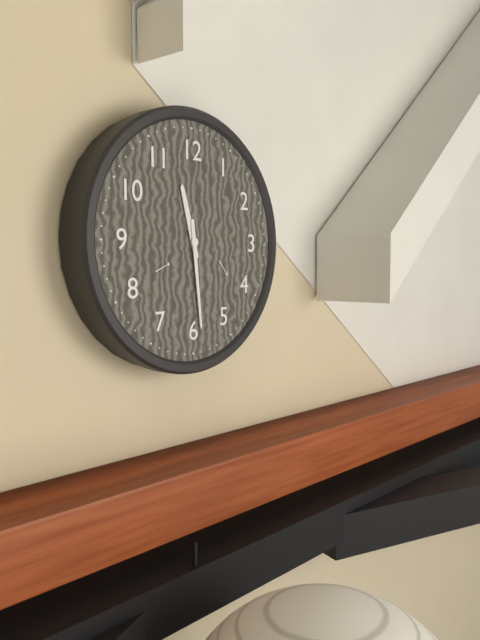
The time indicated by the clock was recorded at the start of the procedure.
11:29
